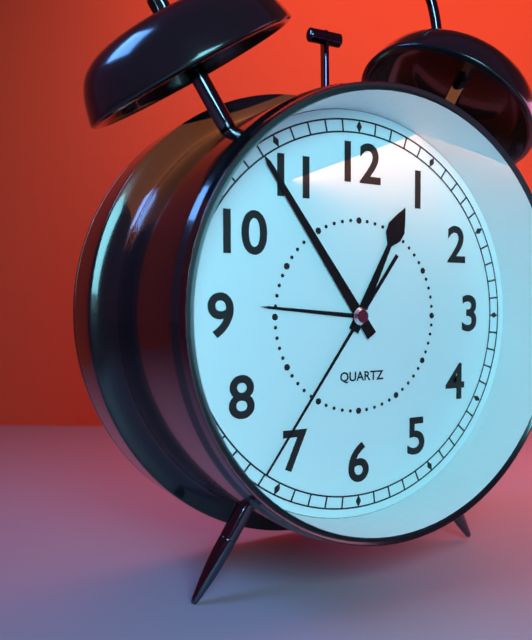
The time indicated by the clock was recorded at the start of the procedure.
12:54:36
